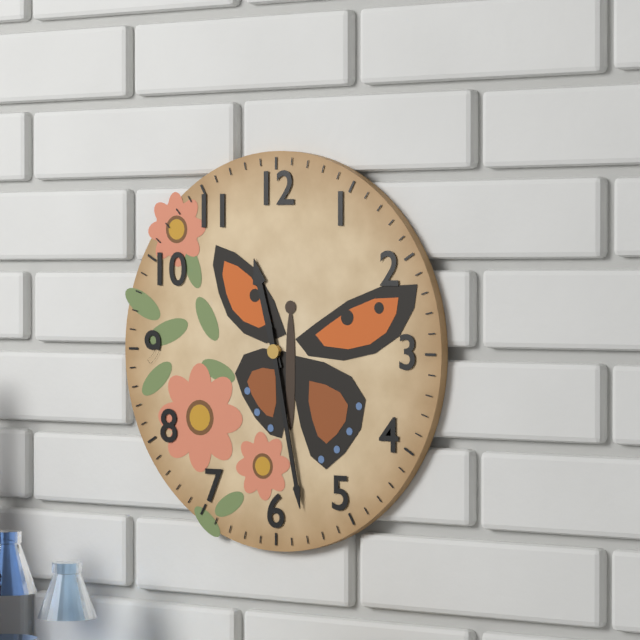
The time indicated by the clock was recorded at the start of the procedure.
11:28
